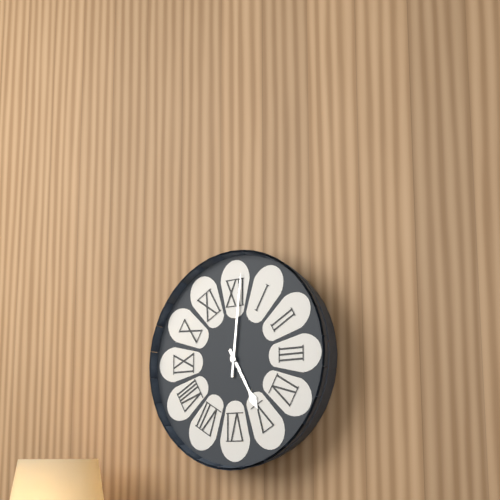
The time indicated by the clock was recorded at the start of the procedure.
5:01
